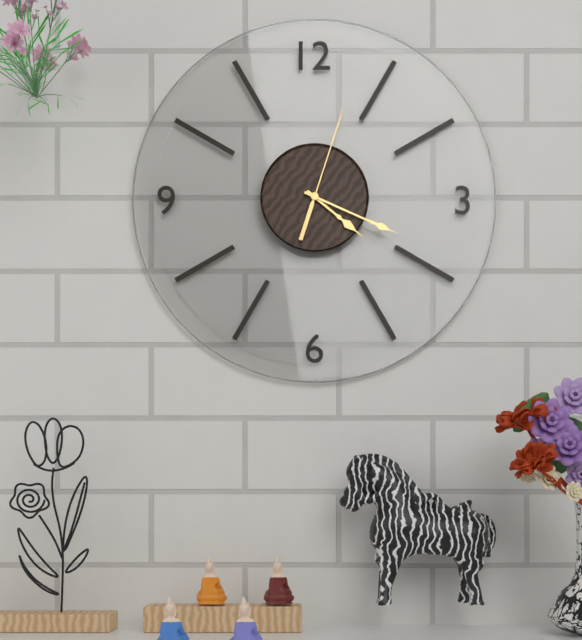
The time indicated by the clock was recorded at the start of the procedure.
4:19:03
